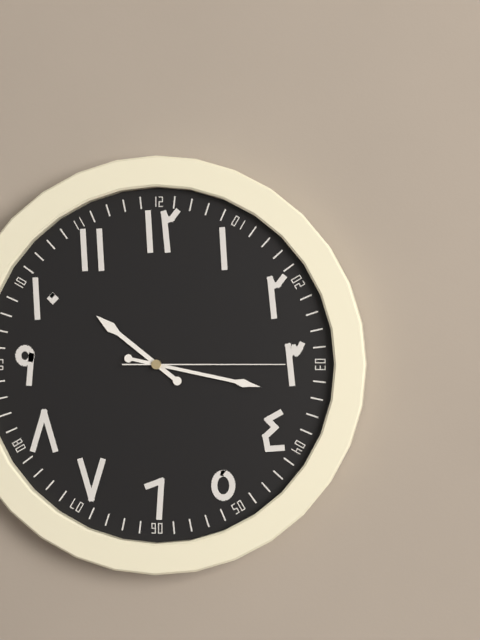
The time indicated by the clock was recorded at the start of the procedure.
10:17:15
